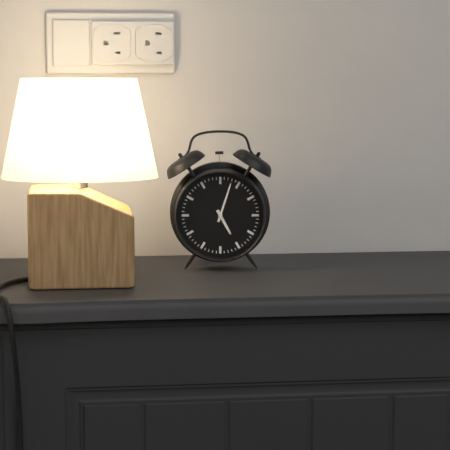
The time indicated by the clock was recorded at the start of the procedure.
5:03
